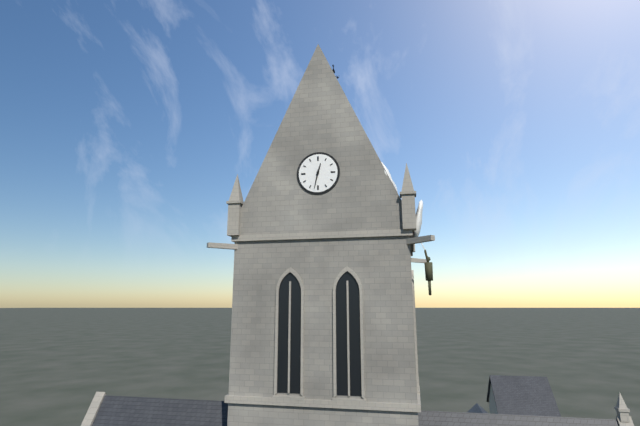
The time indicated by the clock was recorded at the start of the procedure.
12:32
